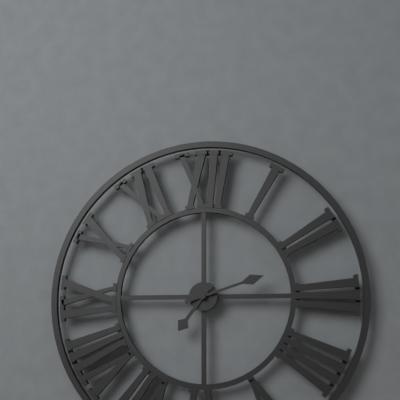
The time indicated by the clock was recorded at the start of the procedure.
7:12
